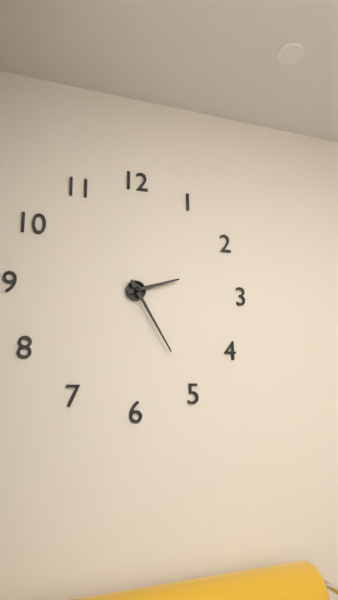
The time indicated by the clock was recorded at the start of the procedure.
2:25
